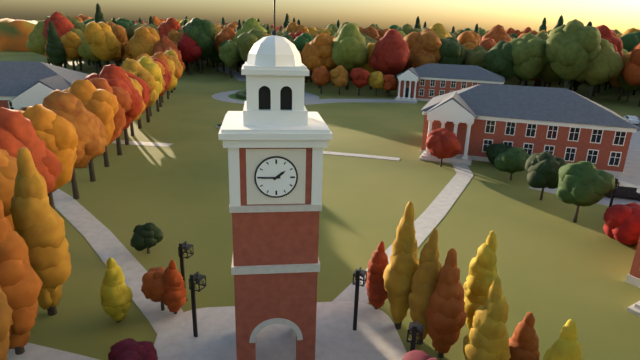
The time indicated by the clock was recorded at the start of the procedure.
1:45
